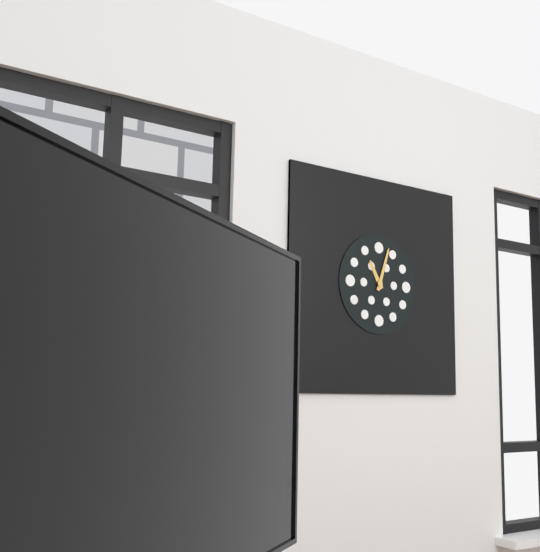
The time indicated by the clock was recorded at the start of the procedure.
11:03
